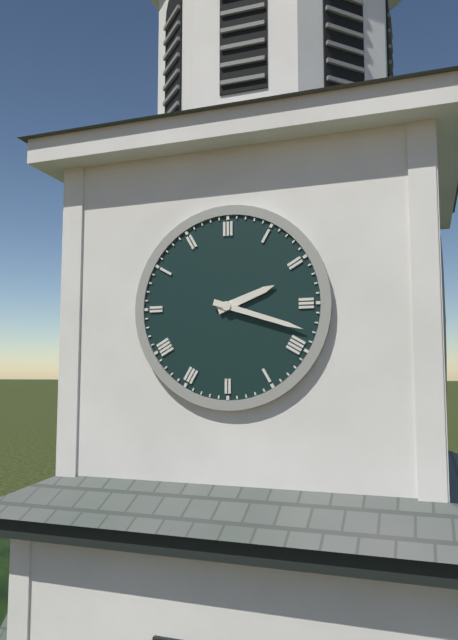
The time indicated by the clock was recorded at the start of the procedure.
2:18
